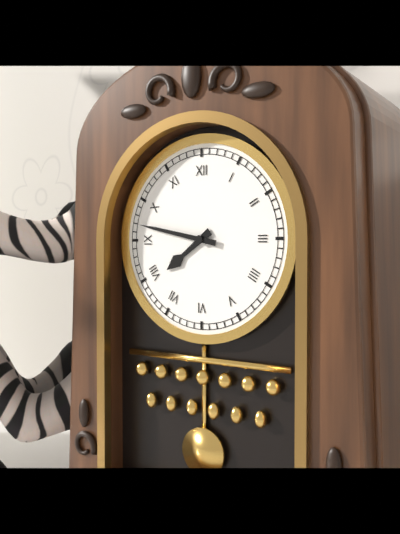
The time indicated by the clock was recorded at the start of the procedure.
7:47
